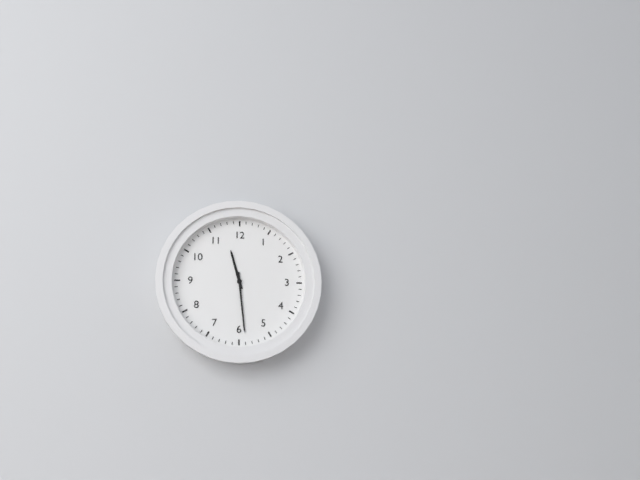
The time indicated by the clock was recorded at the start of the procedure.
11:29
